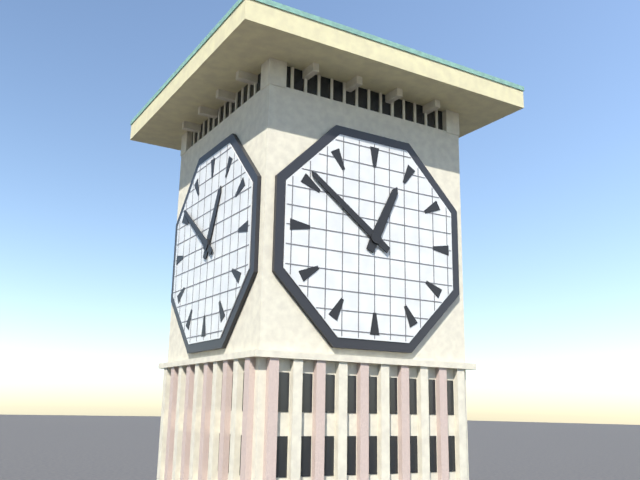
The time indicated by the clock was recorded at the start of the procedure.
12:51
